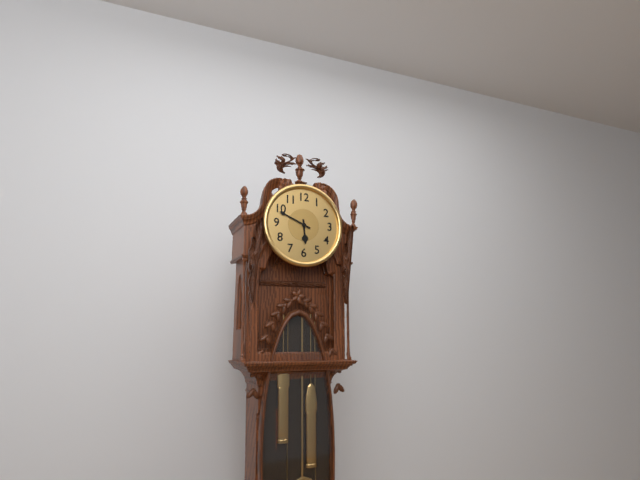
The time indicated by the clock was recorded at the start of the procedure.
5:49
